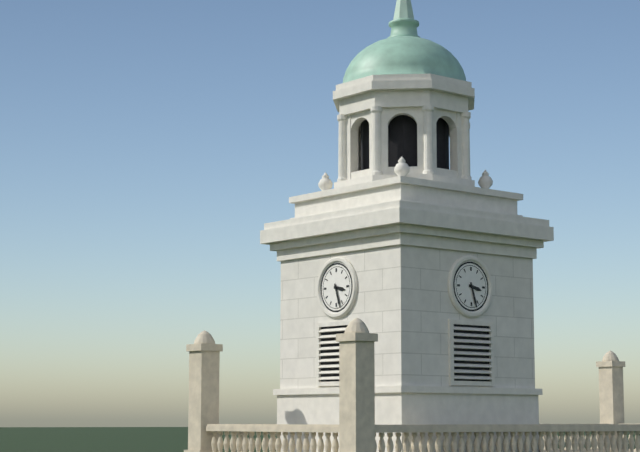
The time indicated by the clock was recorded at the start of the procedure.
3:27
